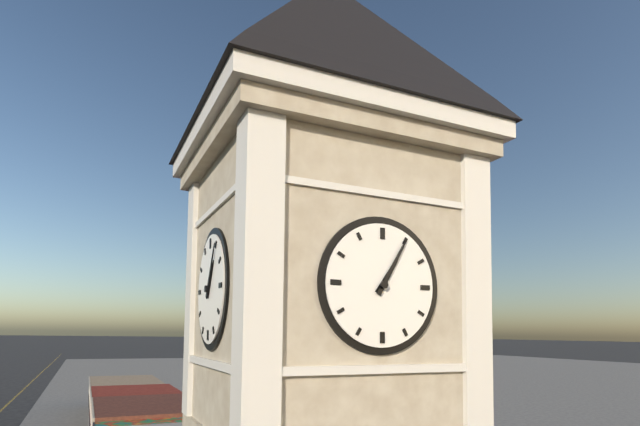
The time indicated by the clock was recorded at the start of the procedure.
1:05
